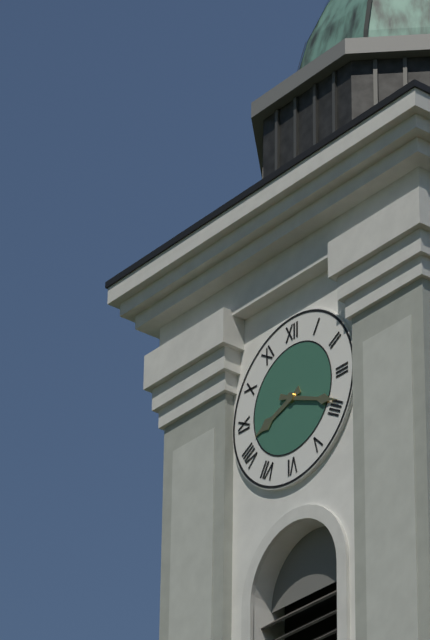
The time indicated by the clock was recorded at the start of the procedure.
8:19
